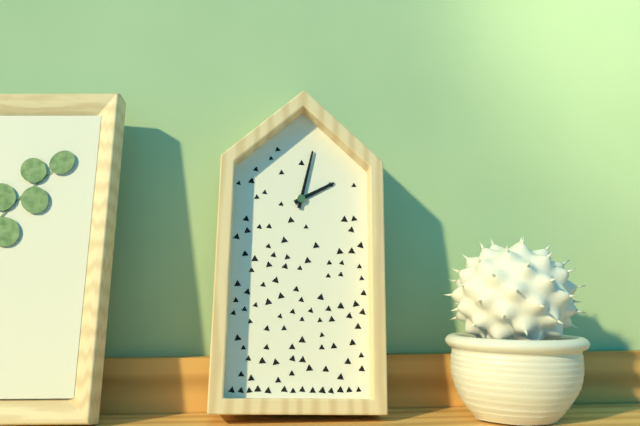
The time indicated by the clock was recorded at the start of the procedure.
2:02
